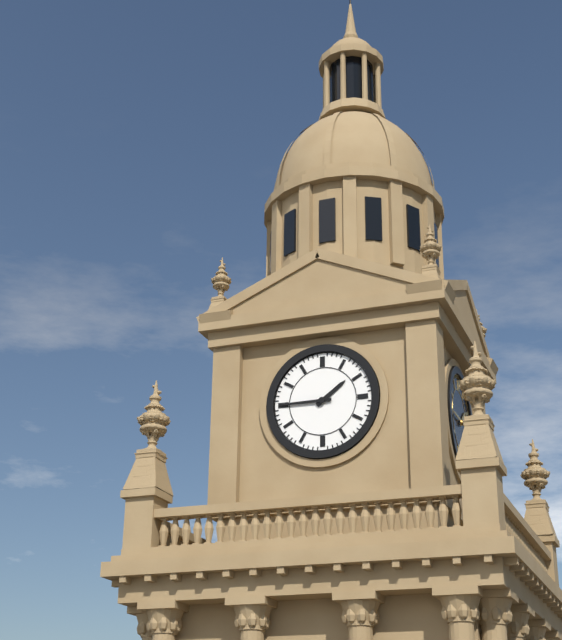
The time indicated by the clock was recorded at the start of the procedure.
1:45
